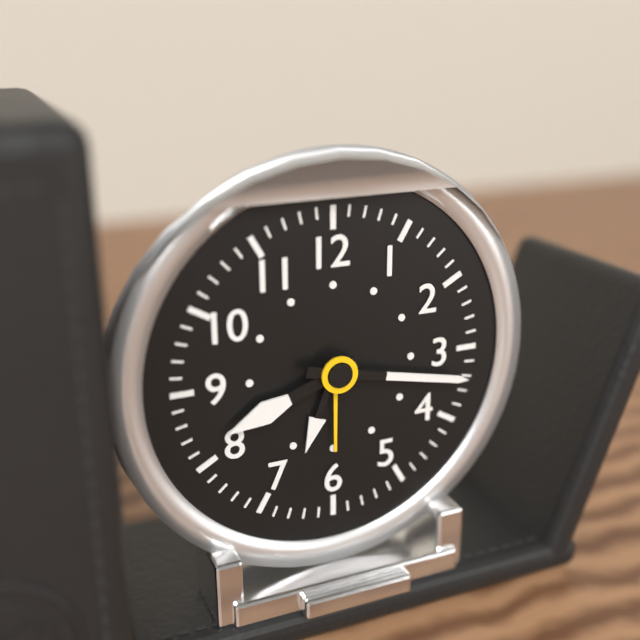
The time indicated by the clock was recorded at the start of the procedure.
8:17
